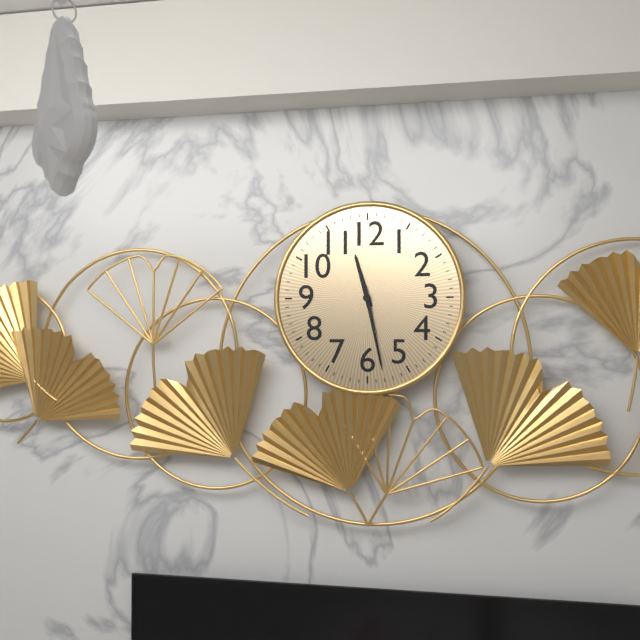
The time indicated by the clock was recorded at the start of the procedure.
11:28
